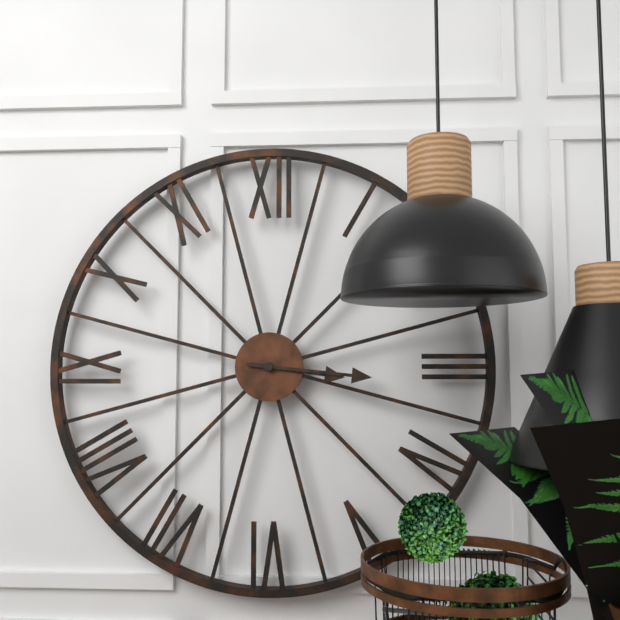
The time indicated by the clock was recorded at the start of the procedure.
3:16
